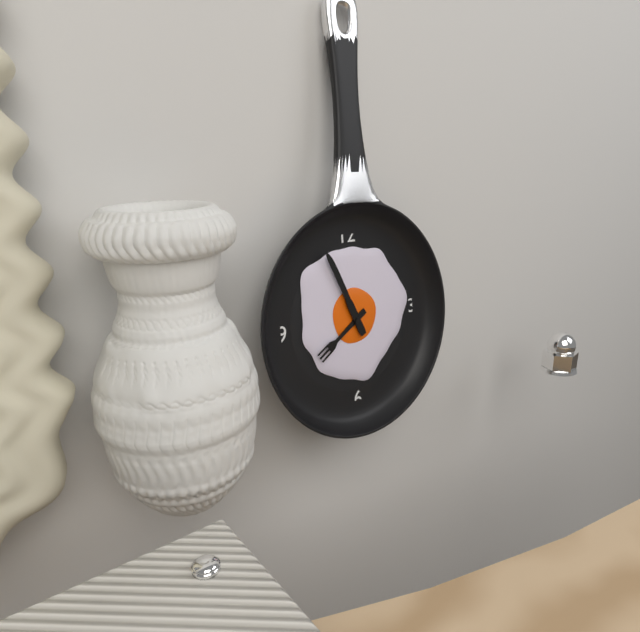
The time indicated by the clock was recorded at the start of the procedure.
7:56
